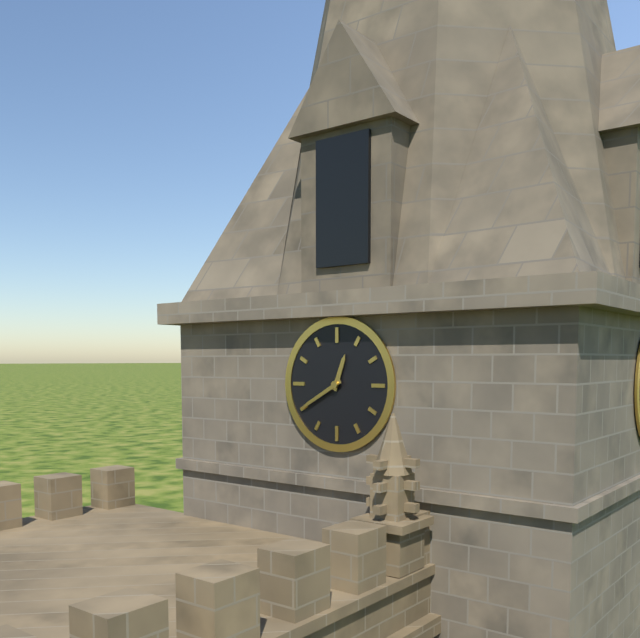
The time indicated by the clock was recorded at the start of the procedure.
12:40
